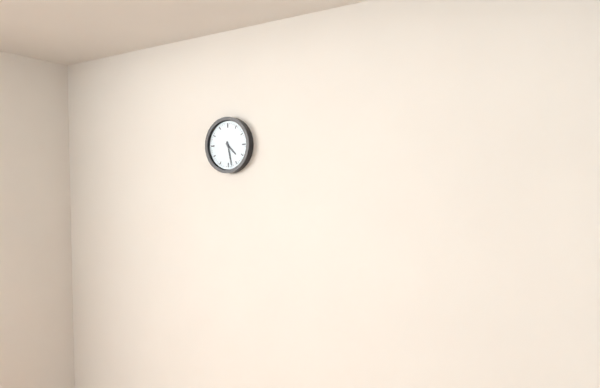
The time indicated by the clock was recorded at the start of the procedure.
4:28
